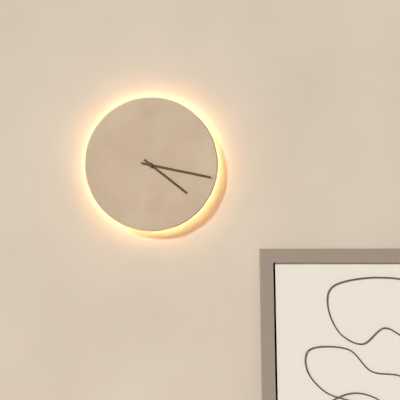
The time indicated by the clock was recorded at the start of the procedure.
4:17
